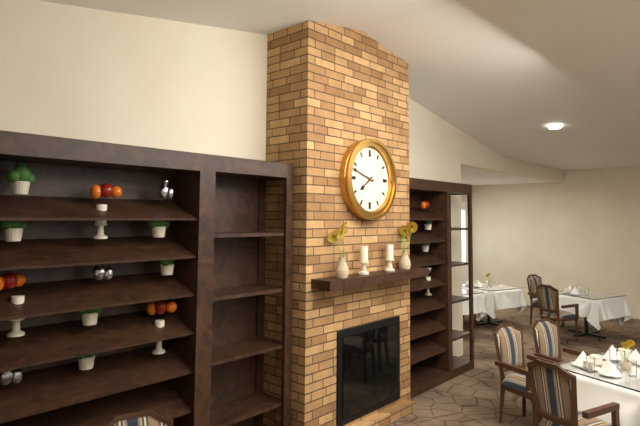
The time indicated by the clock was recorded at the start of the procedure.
7:48
